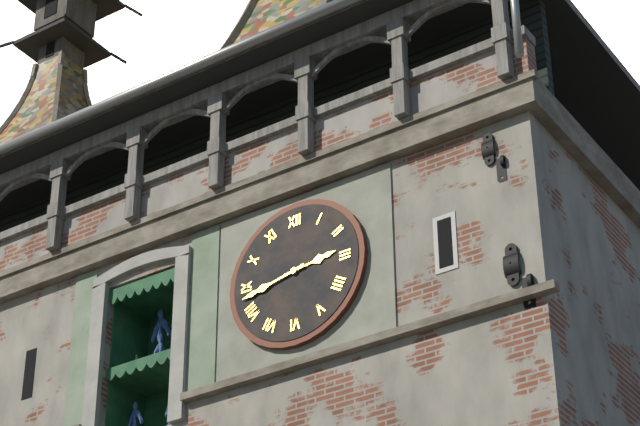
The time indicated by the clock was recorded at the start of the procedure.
2:43
